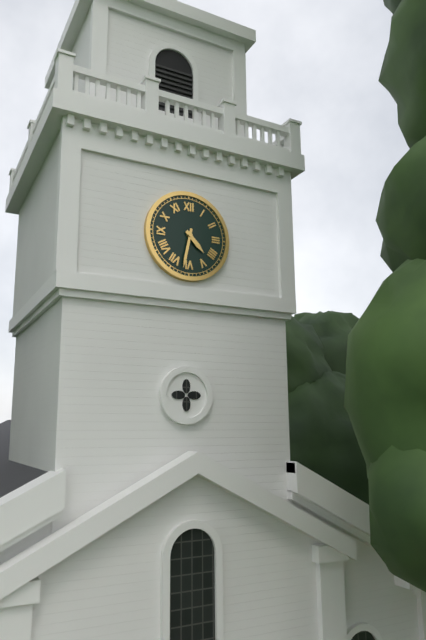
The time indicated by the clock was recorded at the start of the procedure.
4:32
